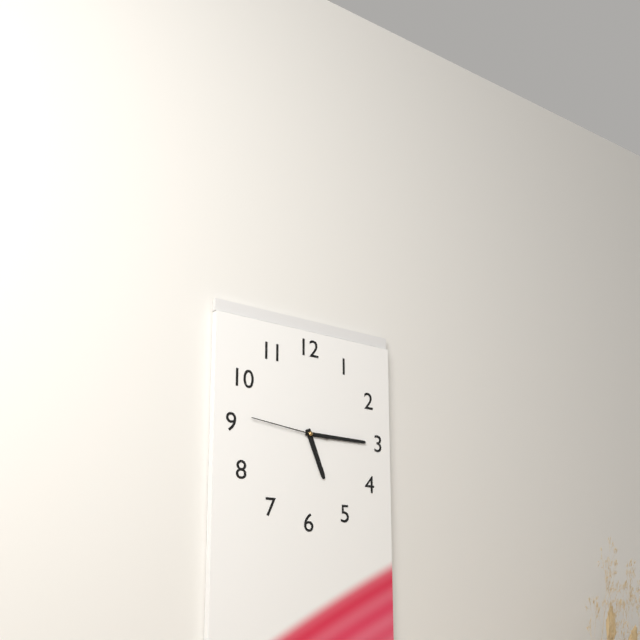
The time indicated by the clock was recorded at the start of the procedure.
5:15:46
